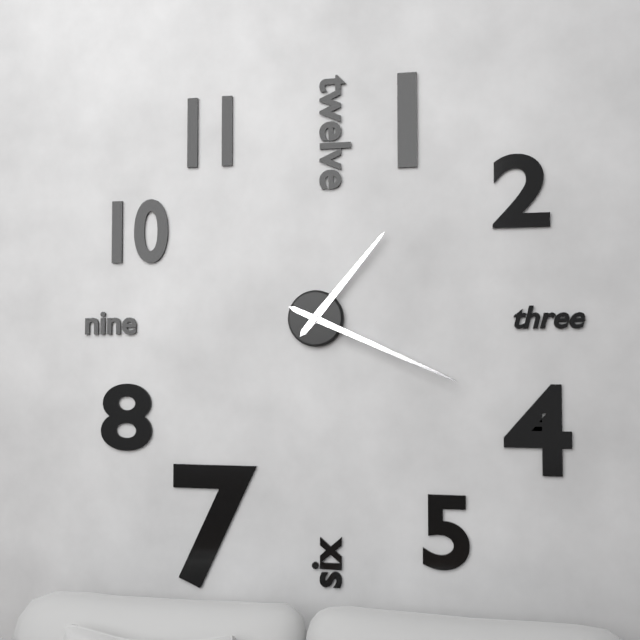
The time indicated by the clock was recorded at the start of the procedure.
1:19
